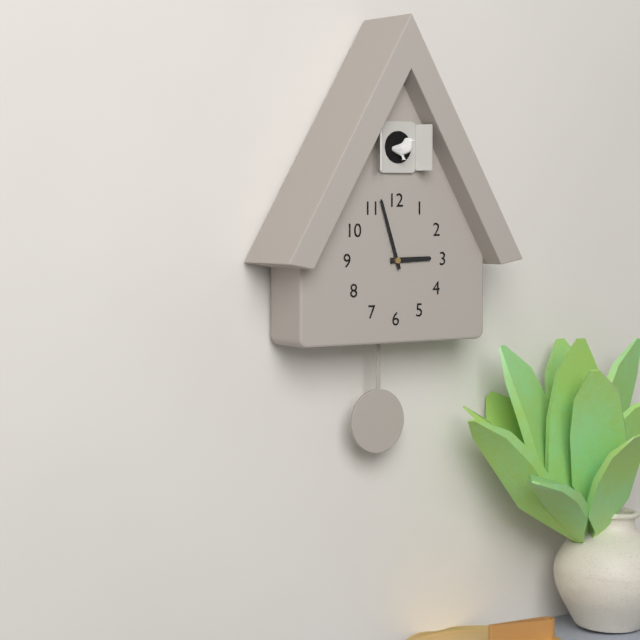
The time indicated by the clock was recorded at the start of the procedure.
2:57
